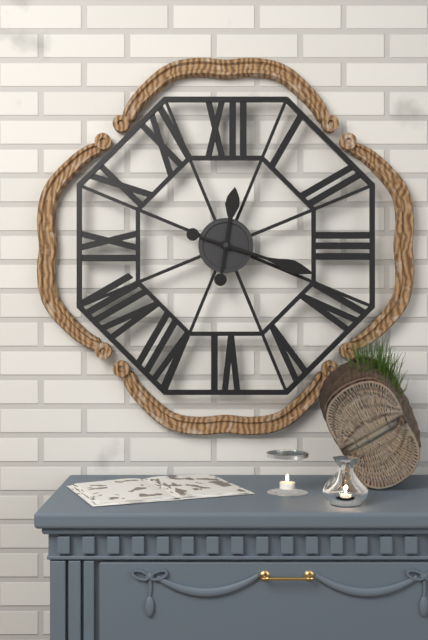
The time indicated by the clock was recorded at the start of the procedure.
12:18
